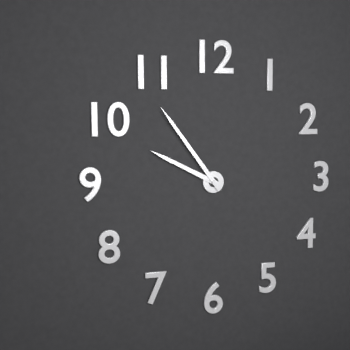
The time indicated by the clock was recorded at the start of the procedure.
9:54
